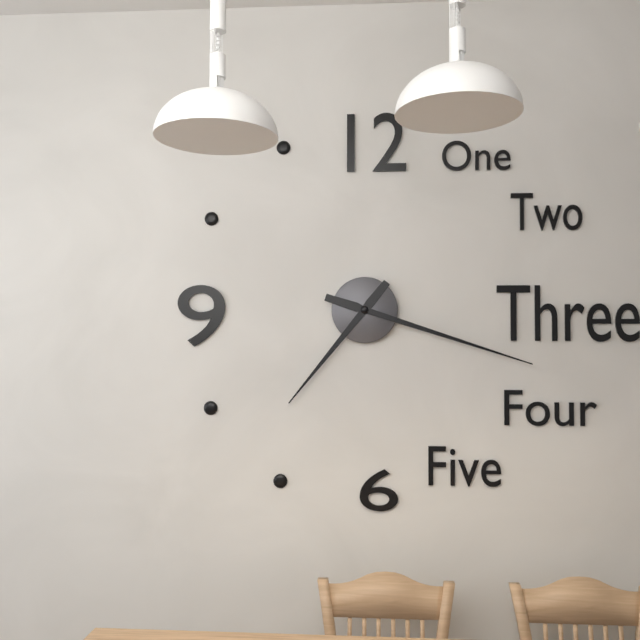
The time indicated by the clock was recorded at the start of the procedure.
7:18
